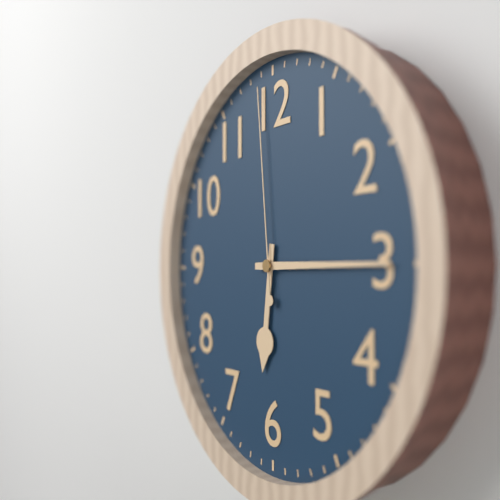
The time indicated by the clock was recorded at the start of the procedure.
6:15:59
